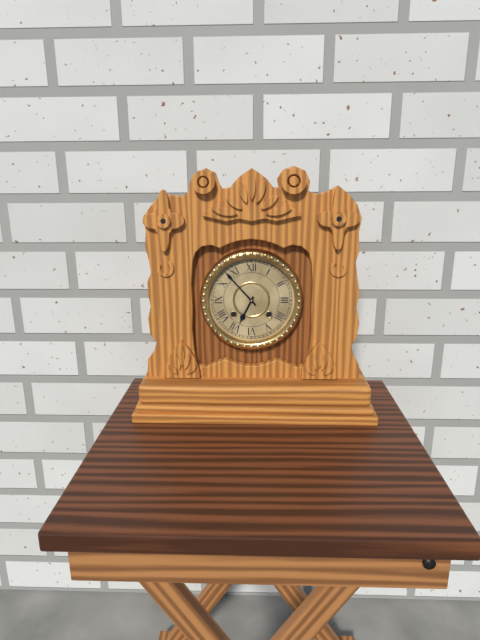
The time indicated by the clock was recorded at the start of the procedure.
6:53
